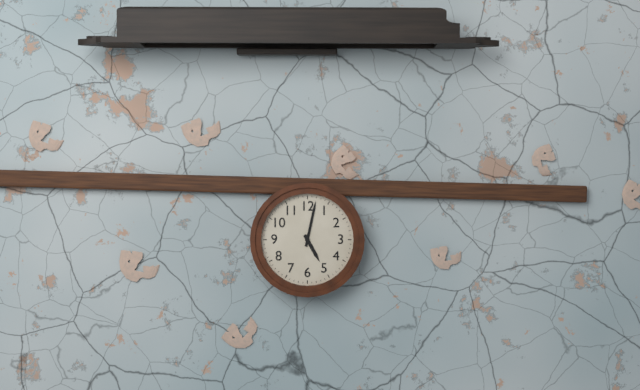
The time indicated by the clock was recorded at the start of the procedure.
5:02
